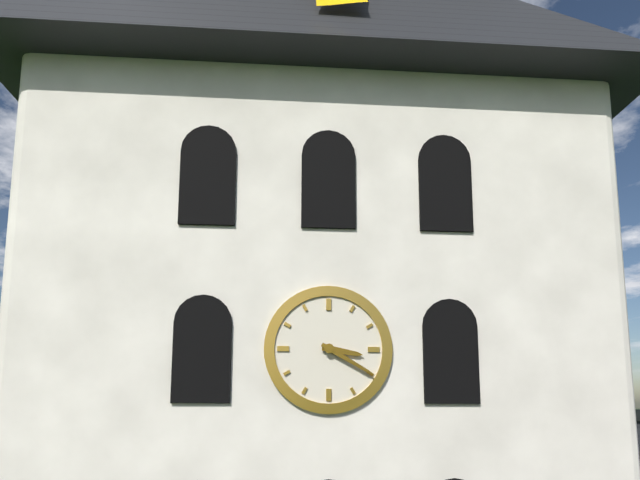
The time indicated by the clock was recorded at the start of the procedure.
3:20
